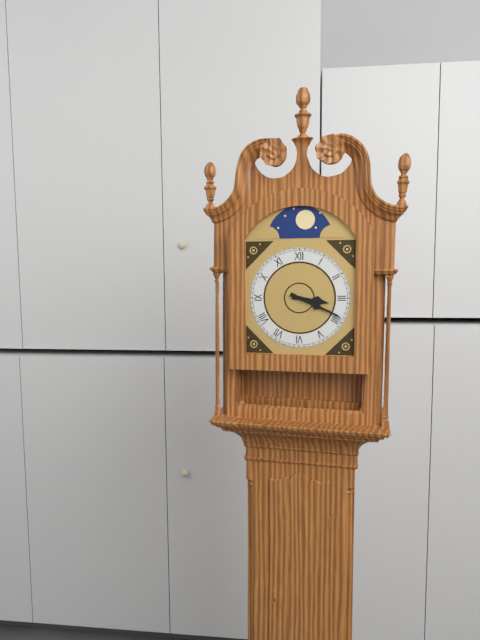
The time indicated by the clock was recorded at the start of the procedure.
3:19
